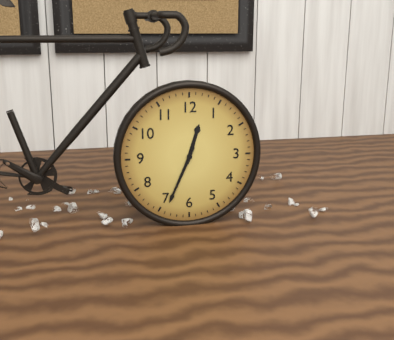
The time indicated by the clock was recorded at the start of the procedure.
12:34
